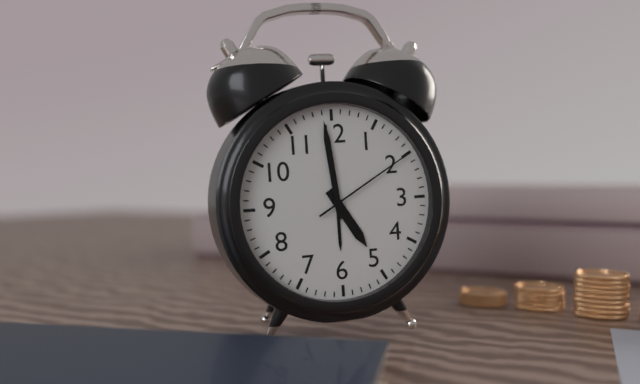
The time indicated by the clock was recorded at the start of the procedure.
4:59:10
